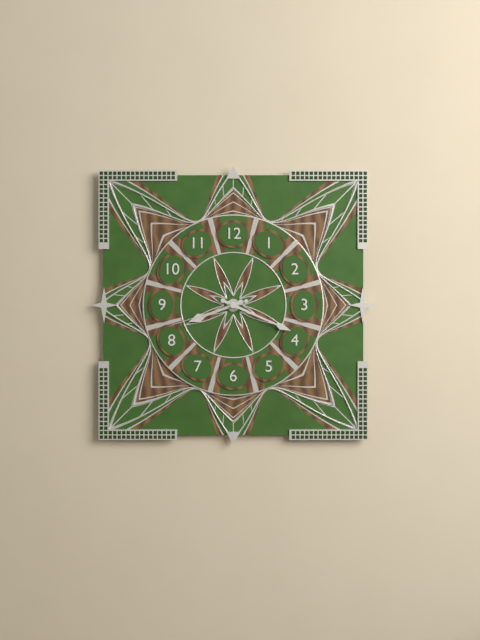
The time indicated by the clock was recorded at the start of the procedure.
8:19:42
